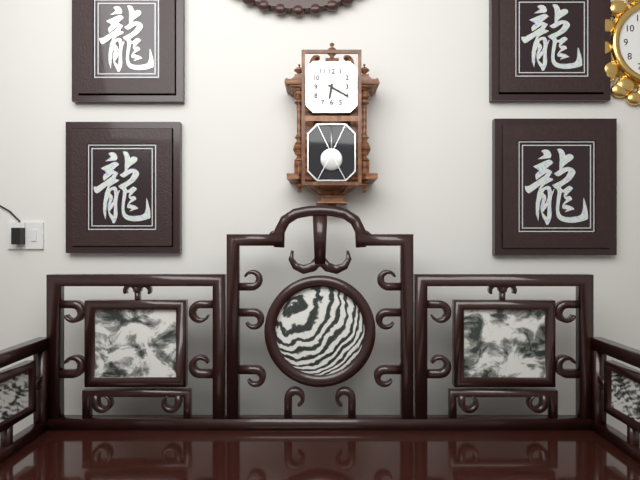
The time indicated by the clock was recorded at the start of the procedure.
6:20
